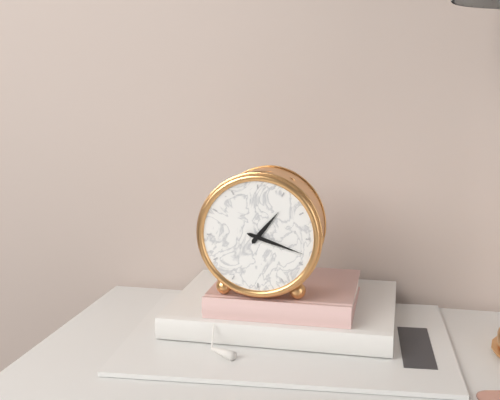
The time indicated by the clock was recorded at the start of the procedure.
1:18
